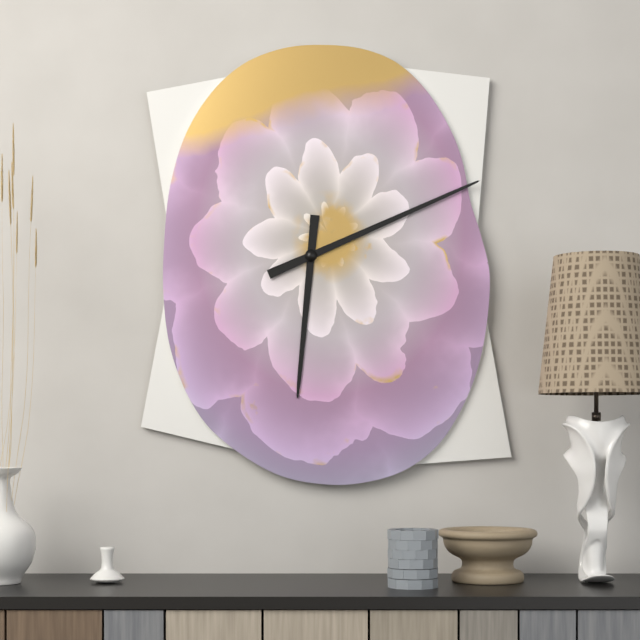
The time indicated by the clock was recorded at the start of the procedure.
6:11
